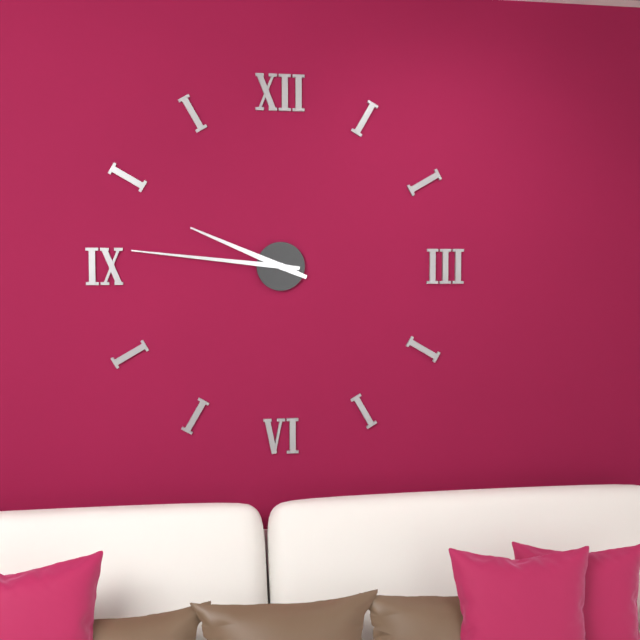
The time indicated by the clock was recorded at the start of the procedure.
9:46
